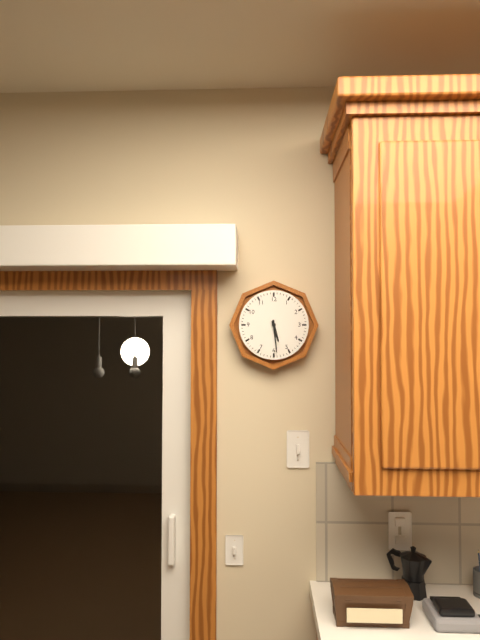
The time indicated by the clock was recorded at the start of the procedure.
5:29
